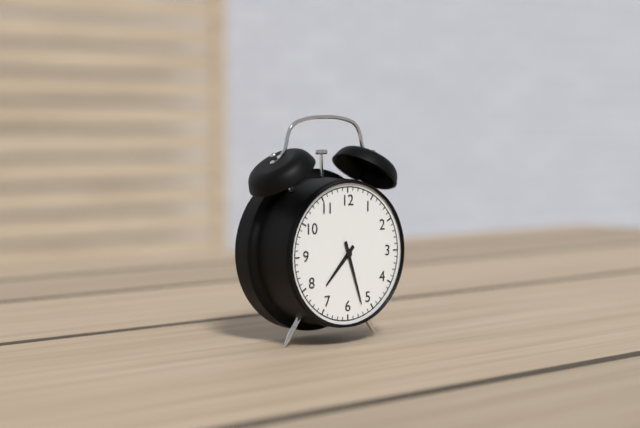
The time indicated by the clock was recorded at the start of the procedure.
7:27
